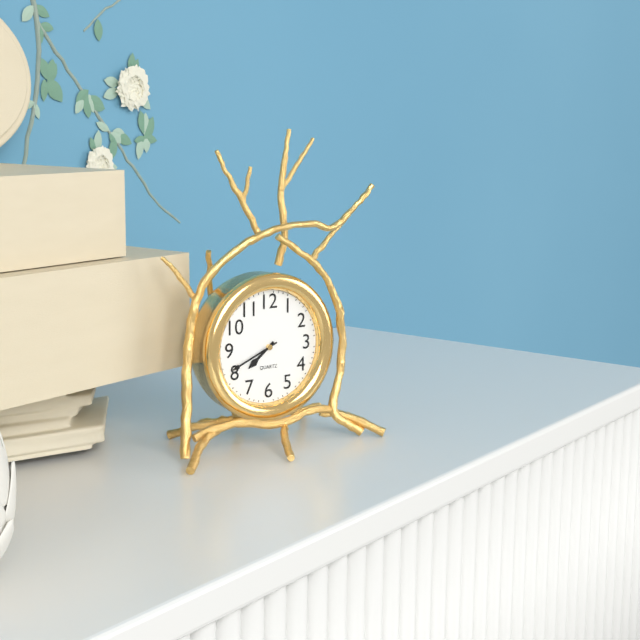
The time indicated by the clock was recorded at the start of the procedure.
7:41
